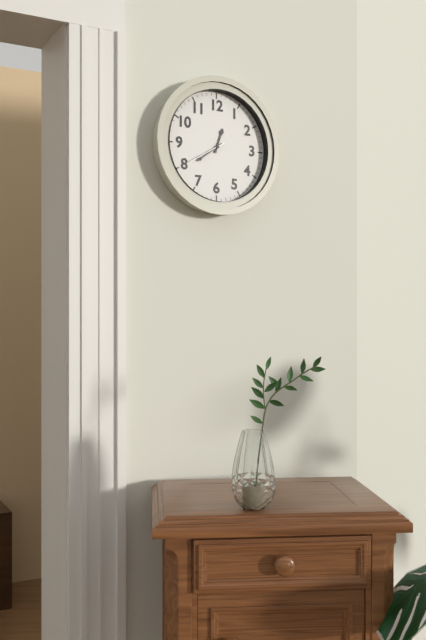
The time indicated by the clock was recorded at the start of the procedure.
12:39
